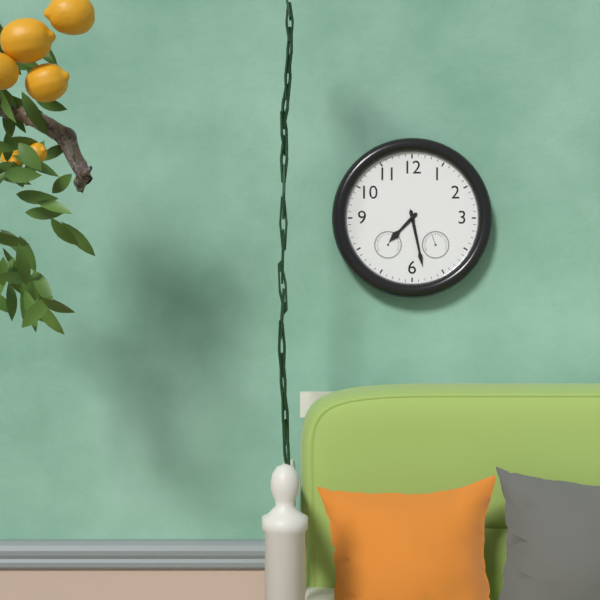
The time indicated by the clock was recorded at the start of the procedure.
7:28
